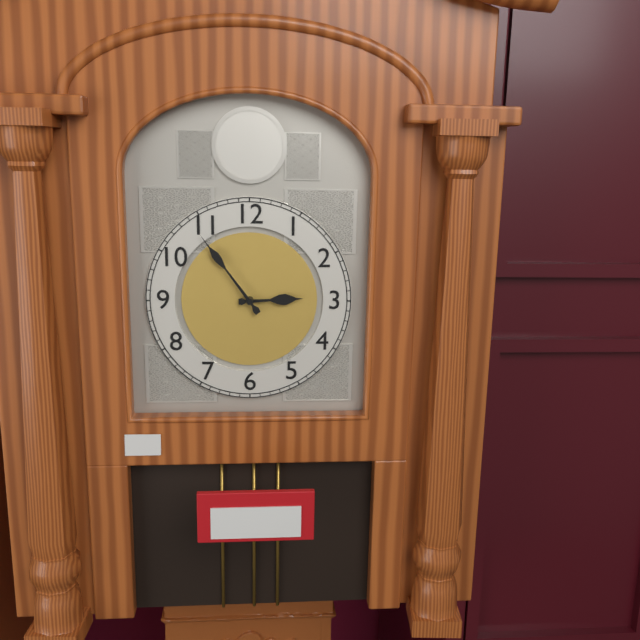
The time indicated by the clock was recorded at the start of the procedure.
2:54
